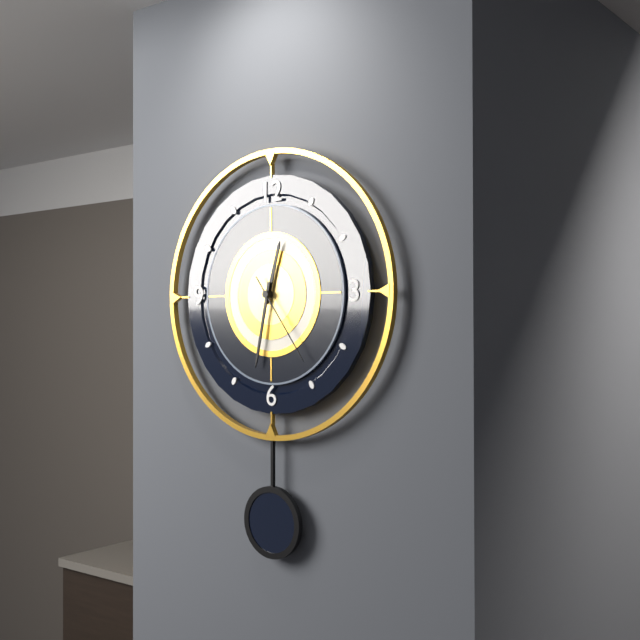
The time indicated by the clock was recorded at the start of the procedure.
12:32:24
